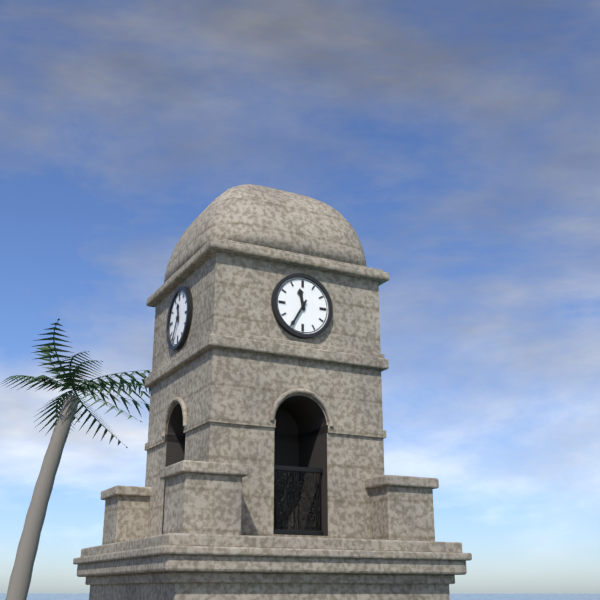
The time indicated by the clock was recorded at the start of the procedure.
11:35
